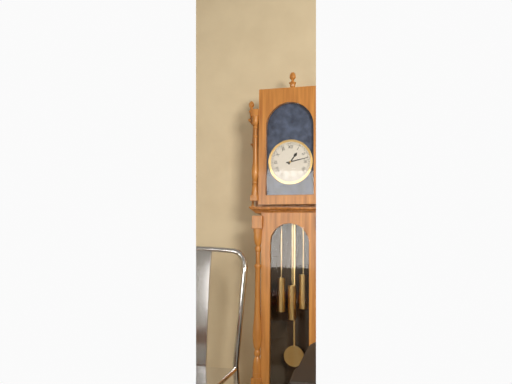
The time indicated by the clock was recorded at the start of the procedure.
1:13
